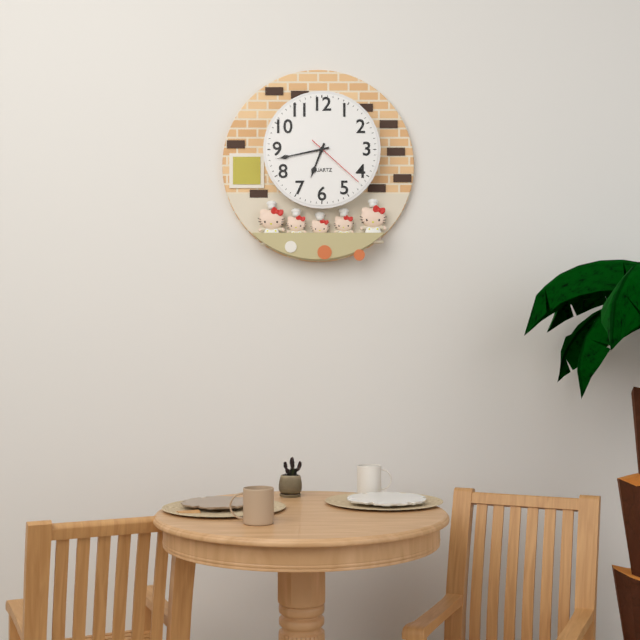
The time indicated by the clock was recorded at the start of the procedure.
6:43:22
